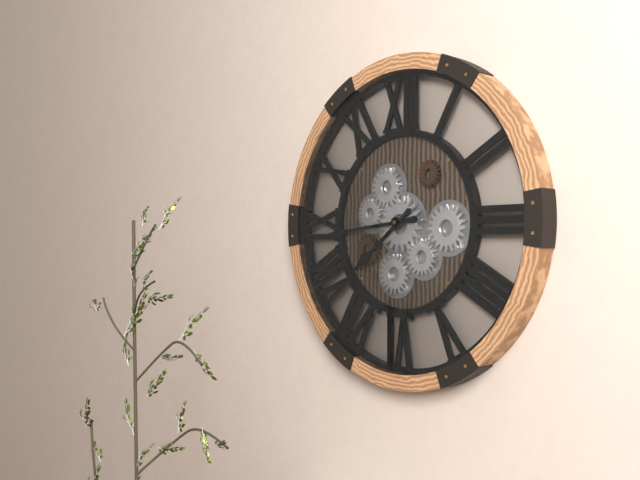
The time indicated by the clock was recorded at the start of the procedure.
7:44
